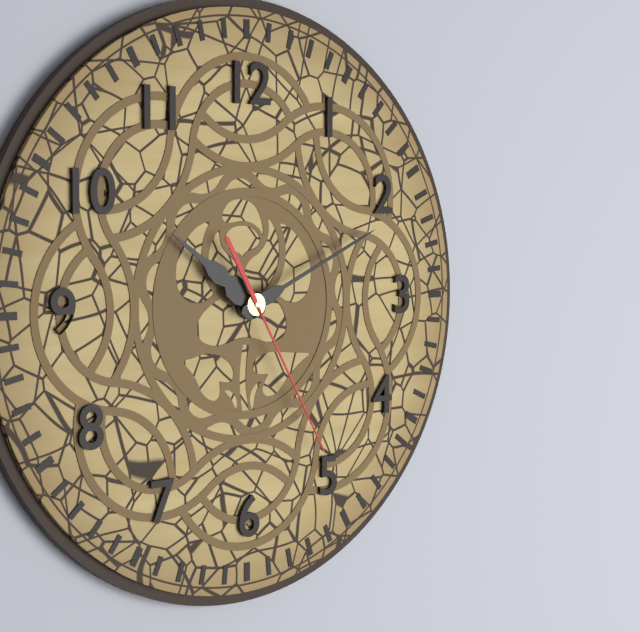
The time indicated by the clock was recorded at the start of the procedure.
10:11:25
